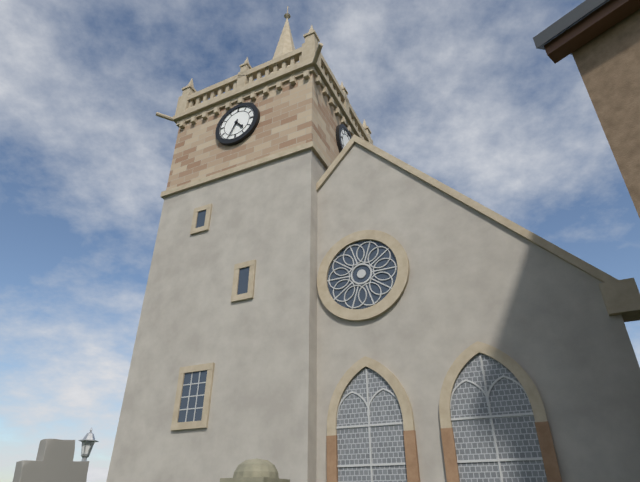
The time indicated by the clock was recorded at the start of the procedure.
4:34
